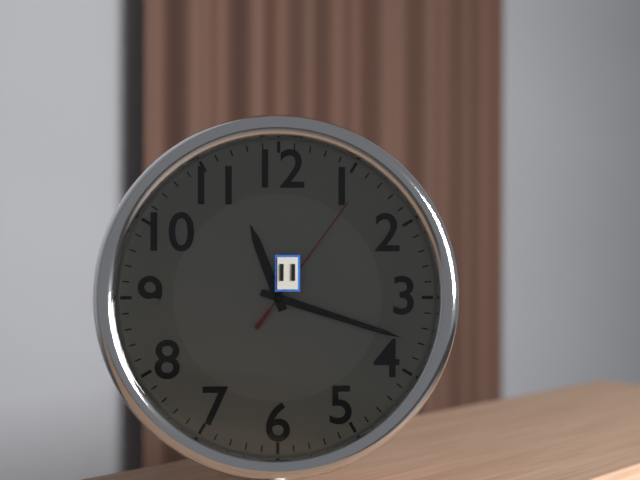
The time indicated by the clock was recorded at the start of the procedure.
11:18:06
